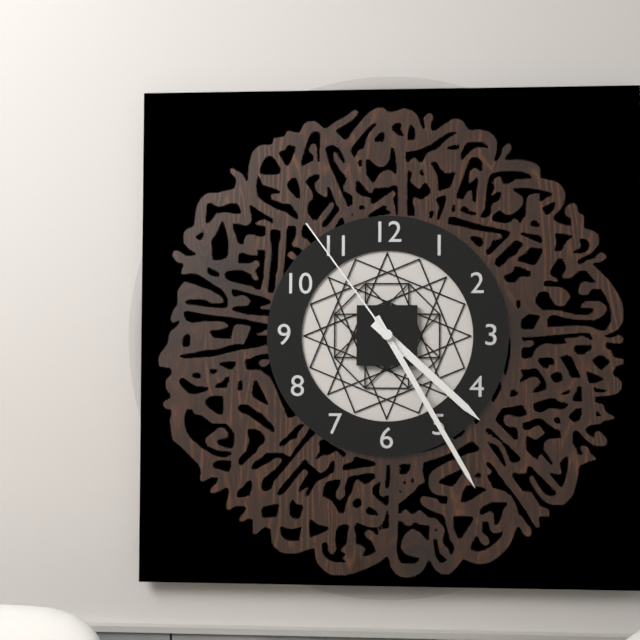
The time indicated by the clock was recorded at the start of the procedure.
4:25:54
